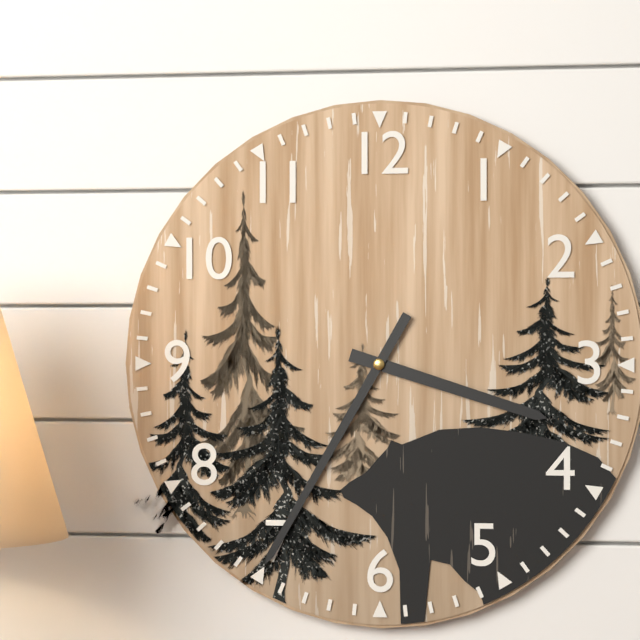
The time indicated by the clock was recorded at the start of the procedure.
3:35
